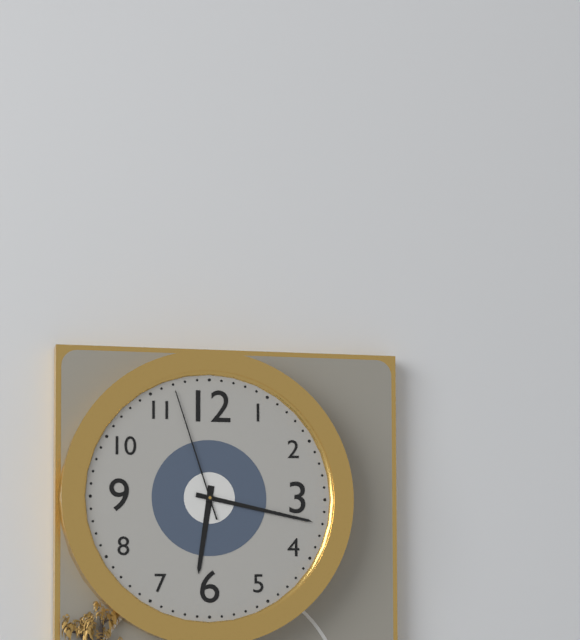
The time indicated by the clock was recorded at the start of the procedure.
6:17:57
